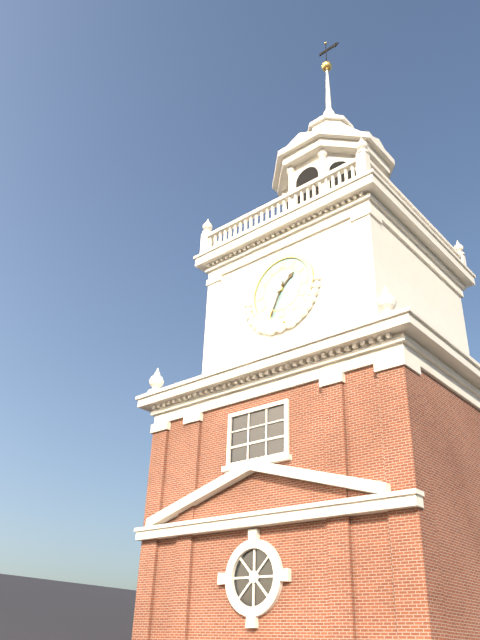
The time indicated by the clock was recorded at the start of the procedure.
1:34
